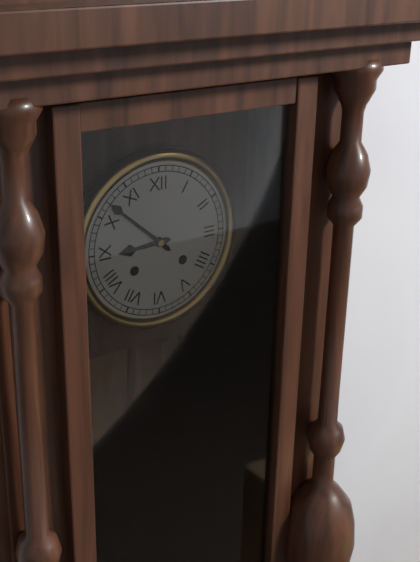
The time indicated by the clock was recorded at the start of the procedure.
8:52
